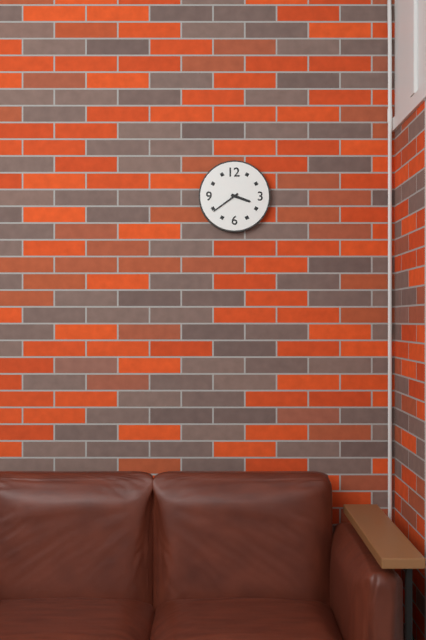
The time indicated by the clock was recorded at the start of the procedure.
3:39
